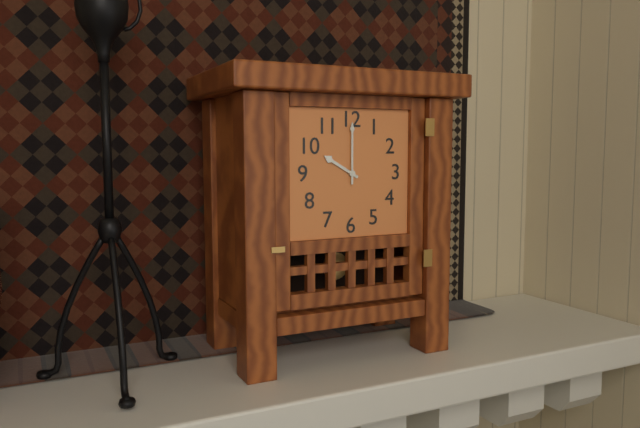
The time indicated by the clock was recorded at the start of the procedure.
10:00
